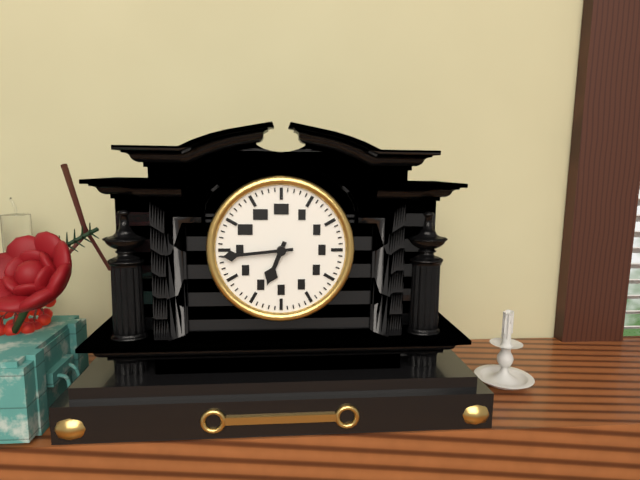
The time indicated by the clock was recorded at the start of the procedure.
6:44
